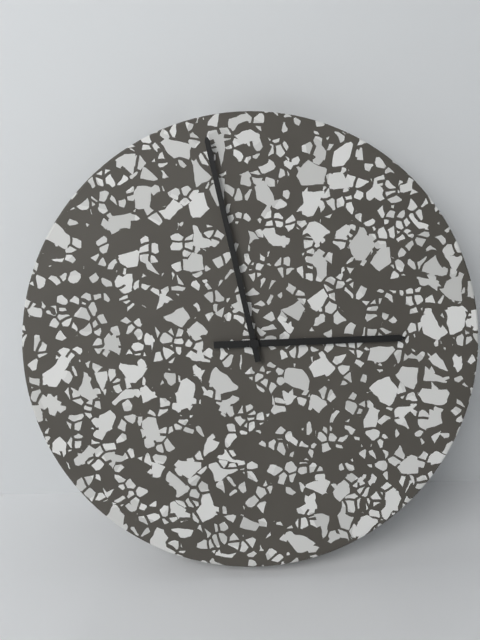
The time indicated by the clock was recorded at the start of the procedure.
2:58
